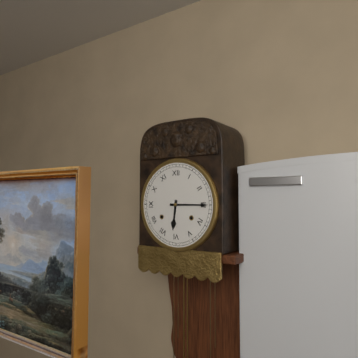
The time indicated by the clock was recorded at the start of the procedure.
6:15
